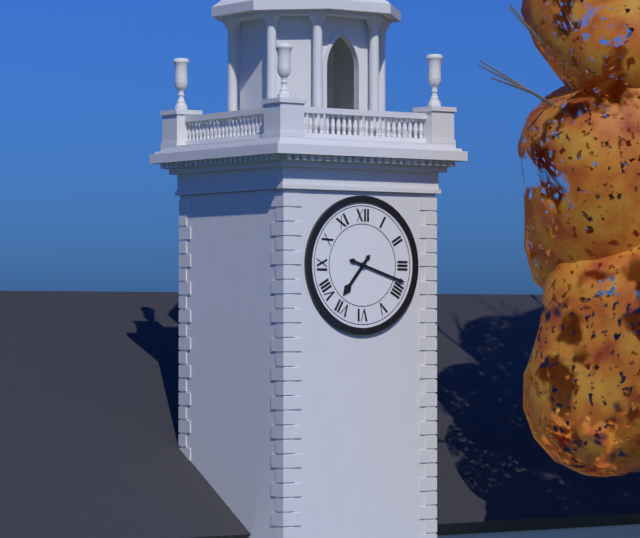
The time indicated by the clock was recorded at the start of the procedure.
7:18
